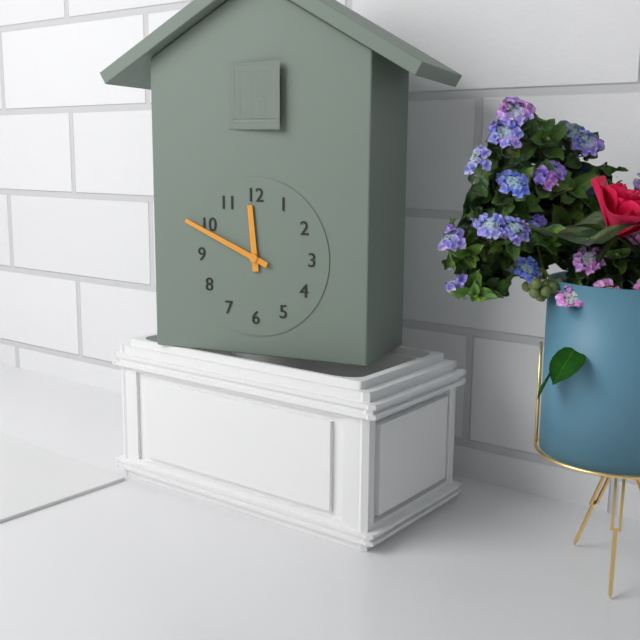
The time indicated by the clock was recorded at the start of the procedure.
11:49
